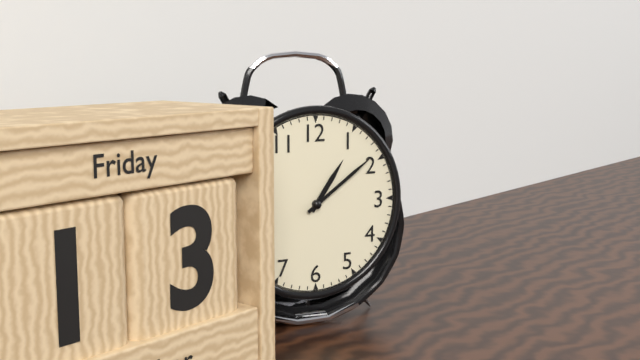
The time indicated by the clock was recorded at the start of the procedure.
1:09
